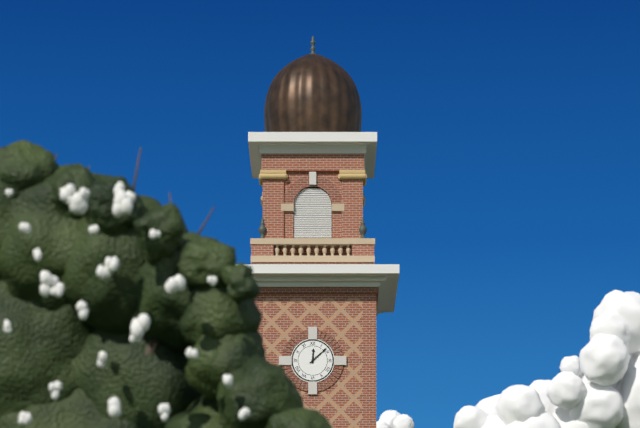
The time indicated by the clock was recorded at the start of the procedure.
12:08
